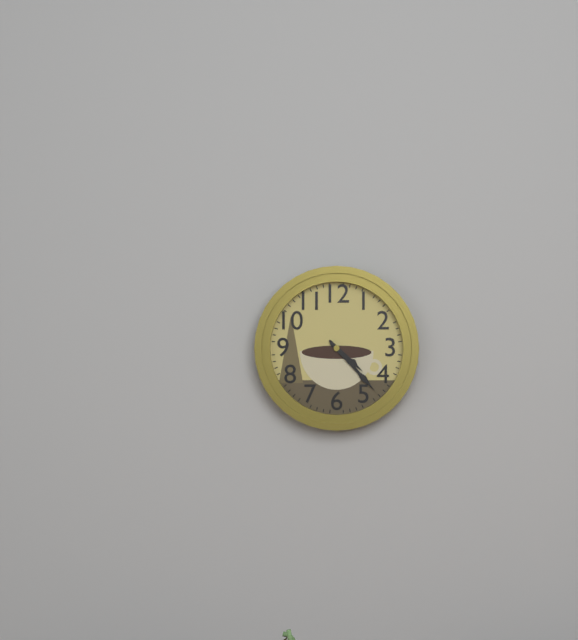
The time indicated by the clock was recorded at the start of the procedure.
4:23
